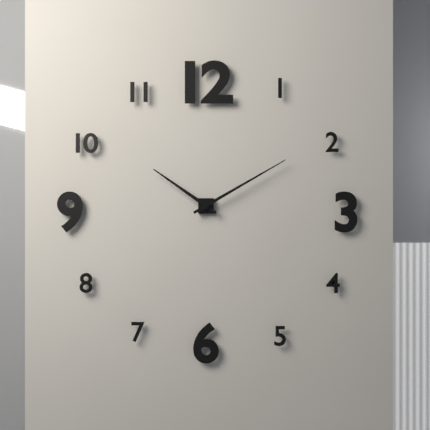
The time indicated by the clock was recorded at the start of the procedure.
10:10
